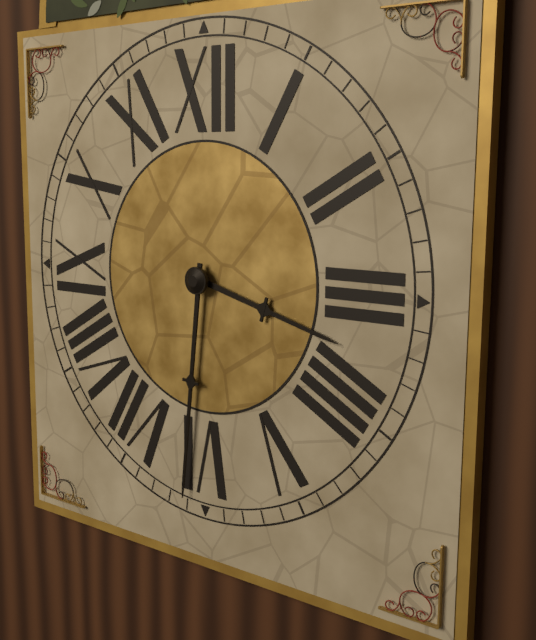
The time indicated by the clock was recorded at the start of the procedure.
3:31
